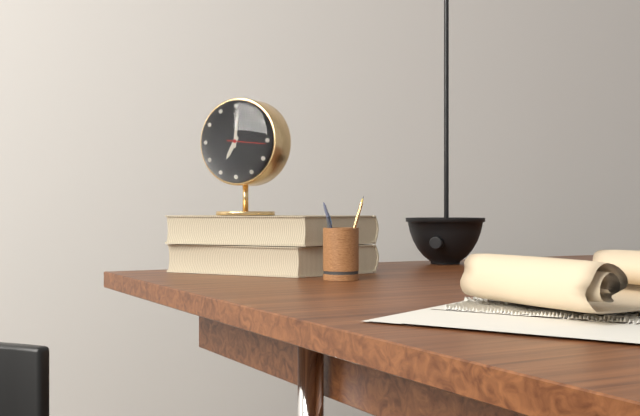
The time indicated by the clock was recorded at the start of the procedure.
7:01
